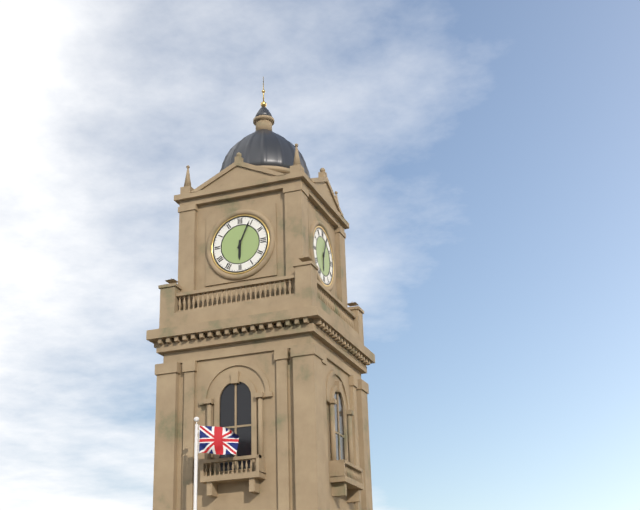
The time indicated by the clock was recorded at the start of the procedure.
6:04
